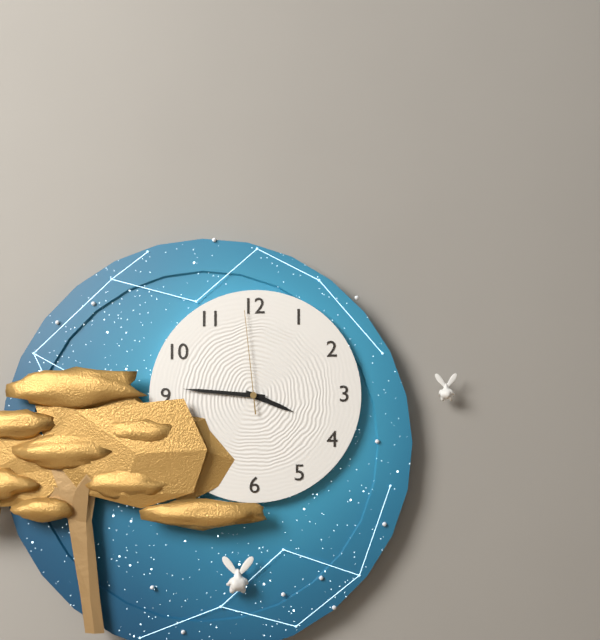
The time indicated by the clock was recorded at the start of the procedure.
3:46:59
